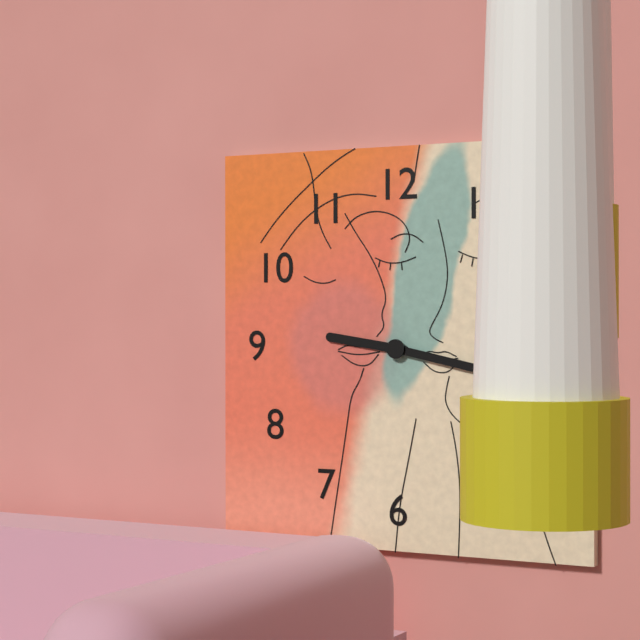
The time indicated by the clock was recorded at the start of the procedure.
9:17
